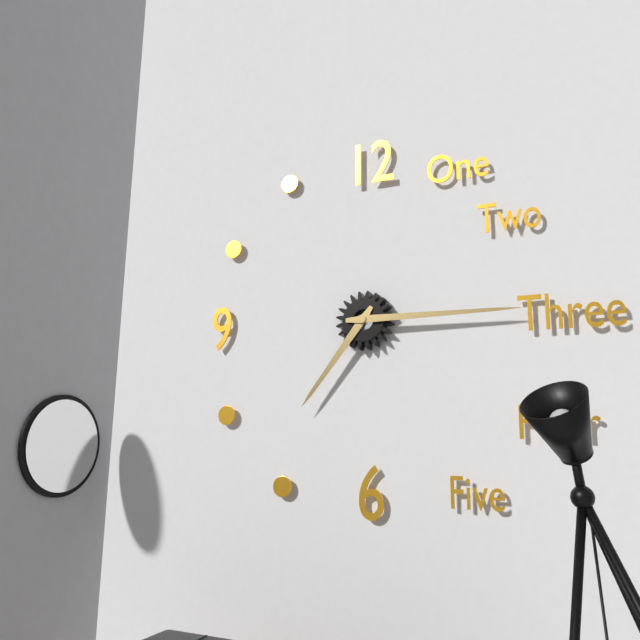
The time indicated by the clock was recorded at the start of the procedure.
7:15
